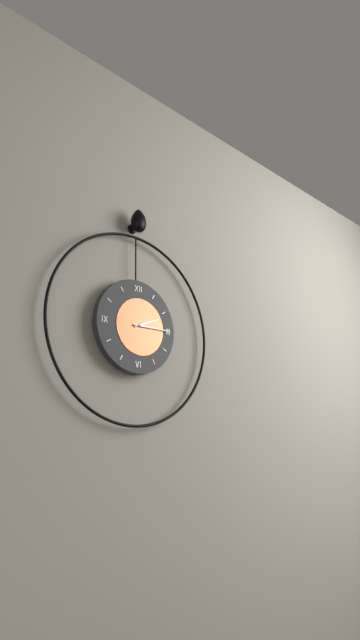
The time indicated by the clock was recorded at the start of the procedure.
2:15
